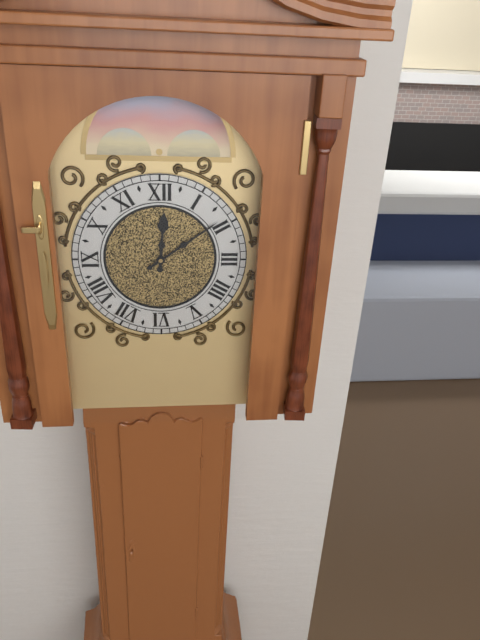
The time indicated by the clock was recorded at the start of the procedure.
12:09
